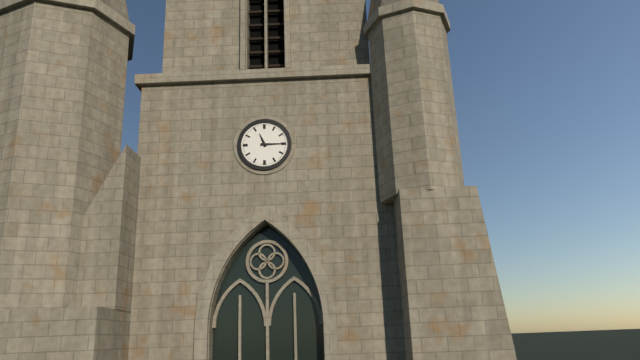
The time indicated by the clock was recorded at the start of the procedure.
11:15
